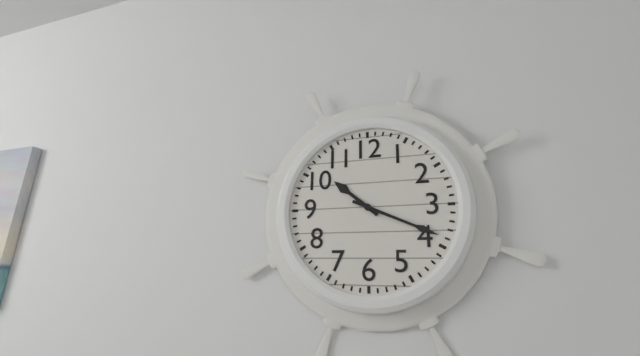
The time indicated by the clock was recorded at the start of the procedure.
10:19
